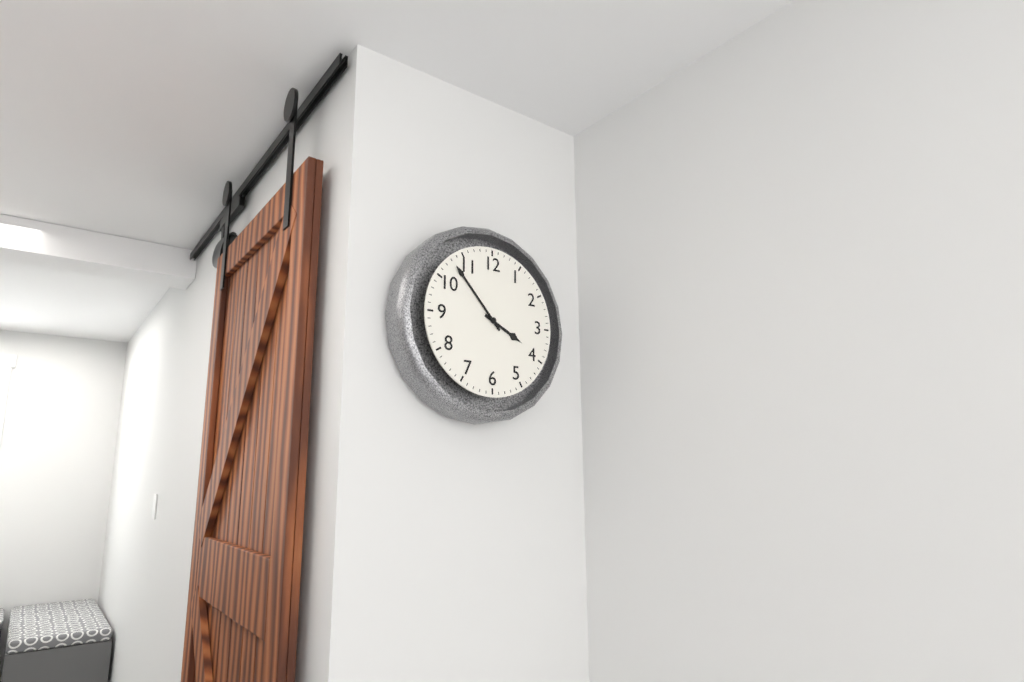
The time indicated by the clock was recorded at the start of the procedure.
3:53
